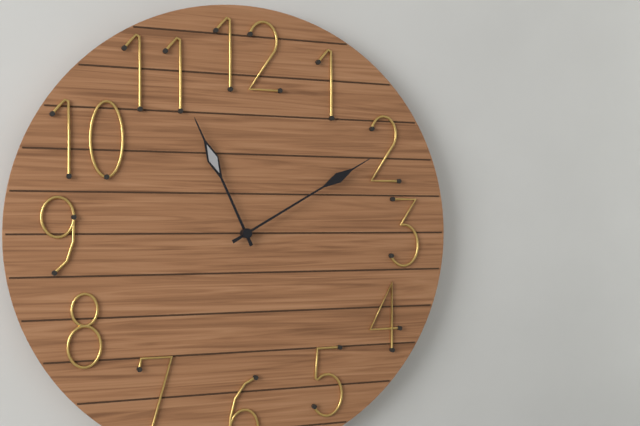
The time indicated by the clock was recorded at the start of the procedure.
11:10
